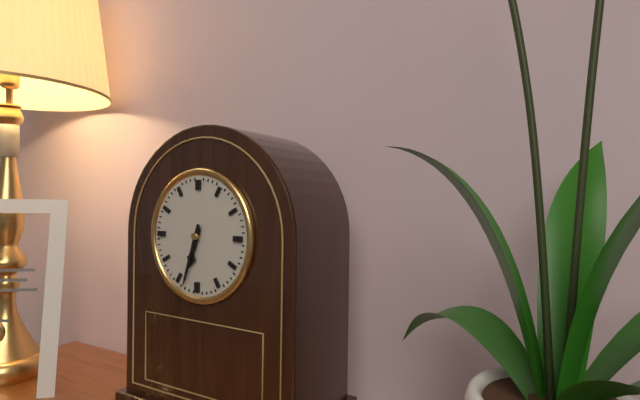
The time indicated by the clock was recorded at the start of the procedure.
6:33
